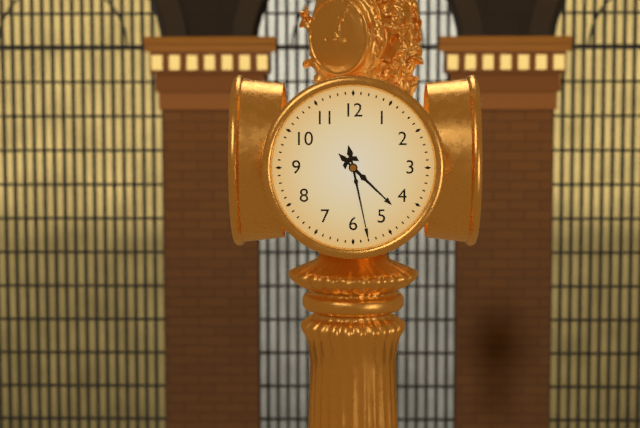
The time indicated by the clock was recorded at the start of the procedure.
4:28
